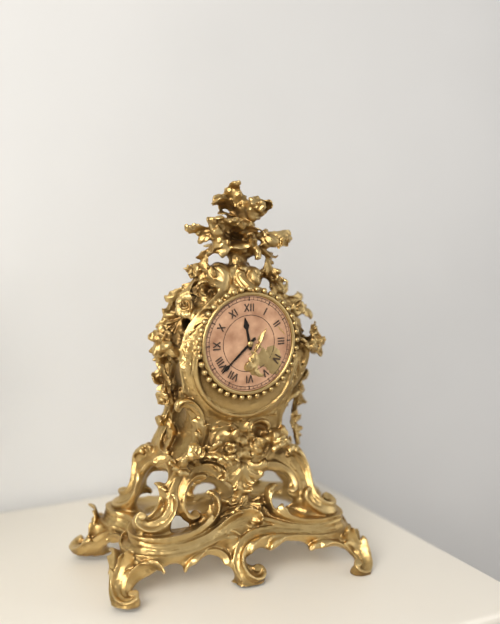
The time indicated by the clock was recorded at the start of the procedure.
11:38
